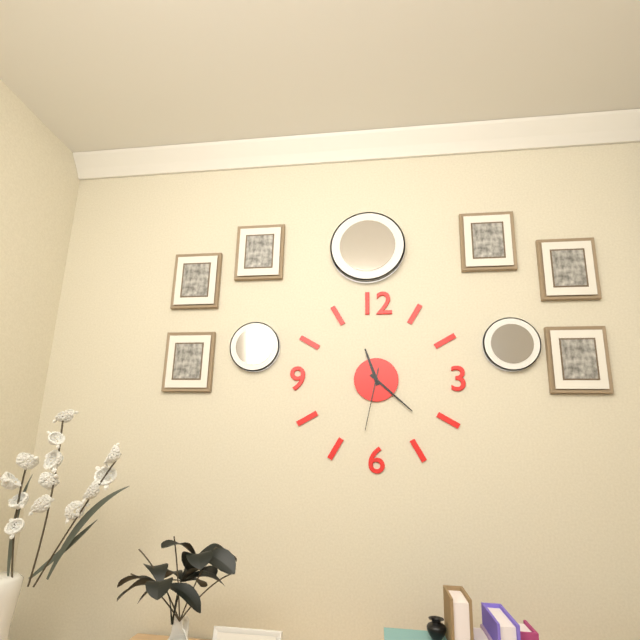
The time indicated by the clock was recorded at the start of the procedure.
11:22:32
